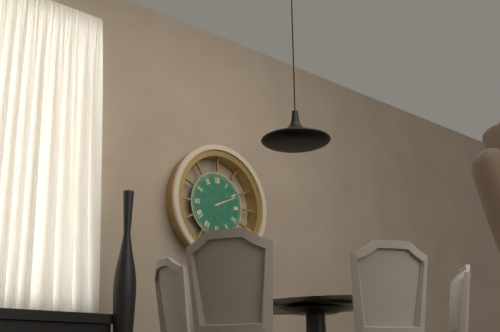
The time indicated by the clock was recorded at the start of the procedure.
2:11
